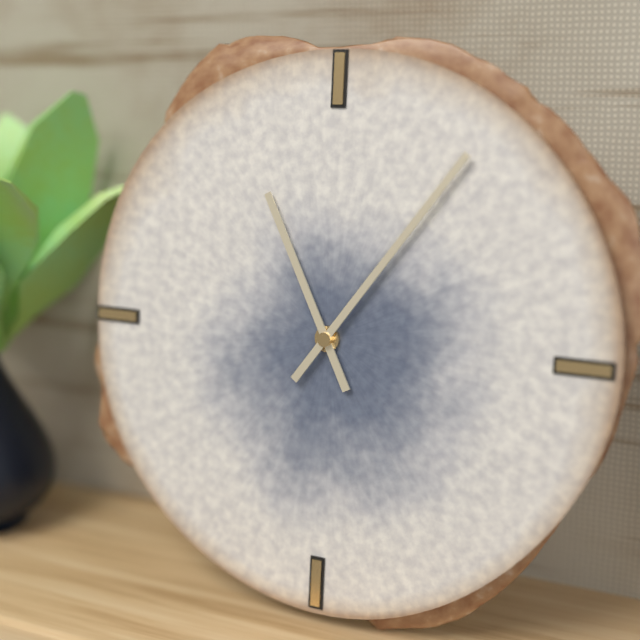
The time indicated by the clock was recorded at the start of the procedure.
11:06
